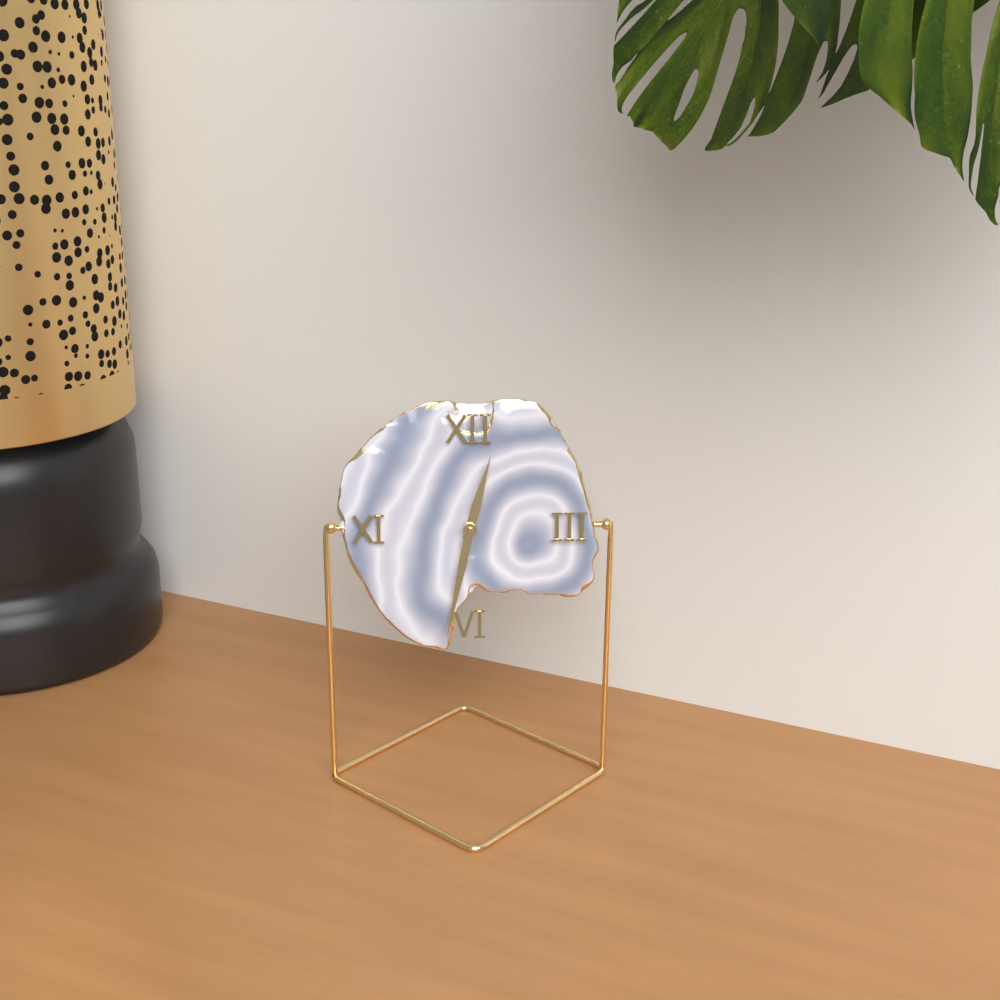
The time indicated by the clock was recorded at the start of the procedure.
12:32
